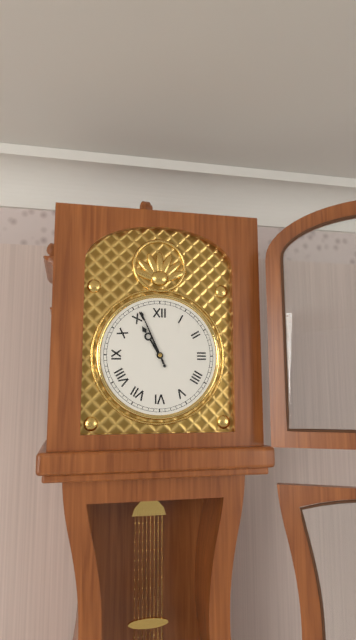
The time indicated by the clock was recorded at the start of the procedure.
10:56
